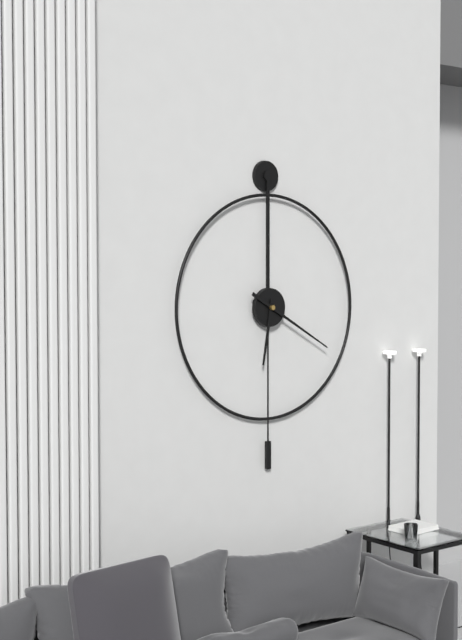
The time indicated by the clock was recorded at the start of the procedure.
6:20
